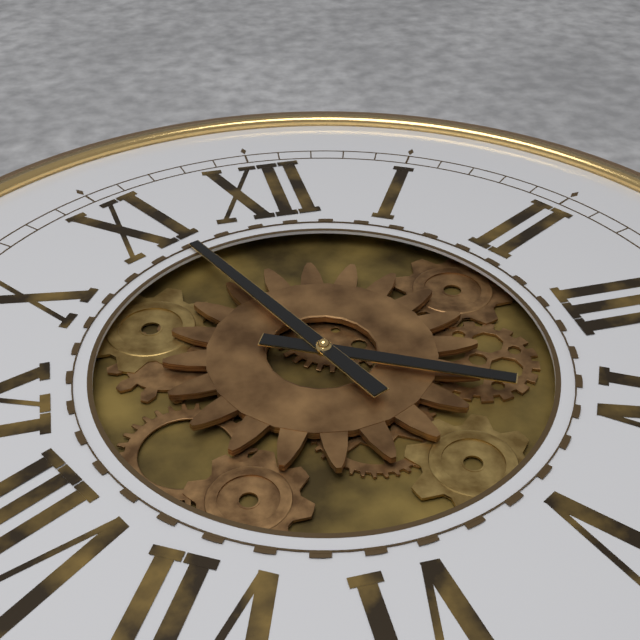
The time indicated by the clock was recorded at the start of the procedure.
3:56
